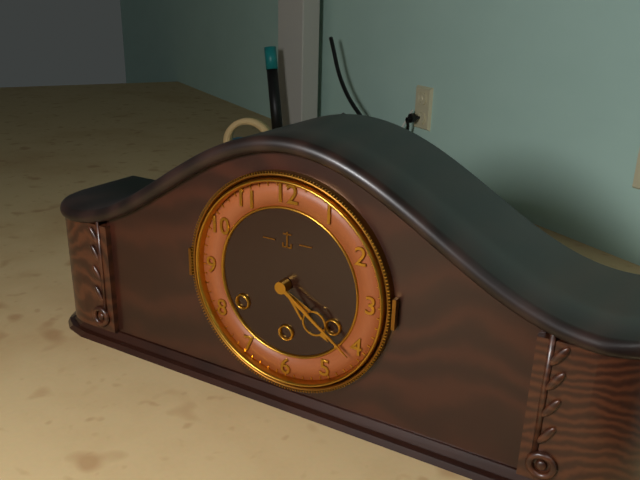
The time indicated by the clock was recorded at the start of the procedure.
4:21
